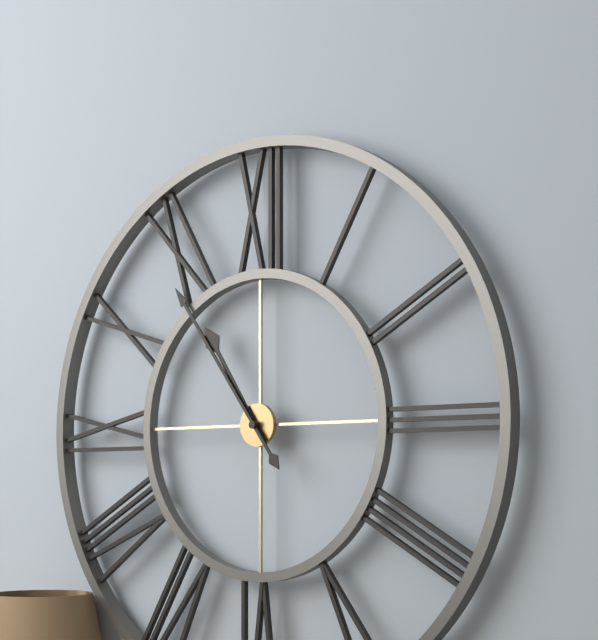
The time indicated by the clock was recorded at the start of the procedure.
10:54
